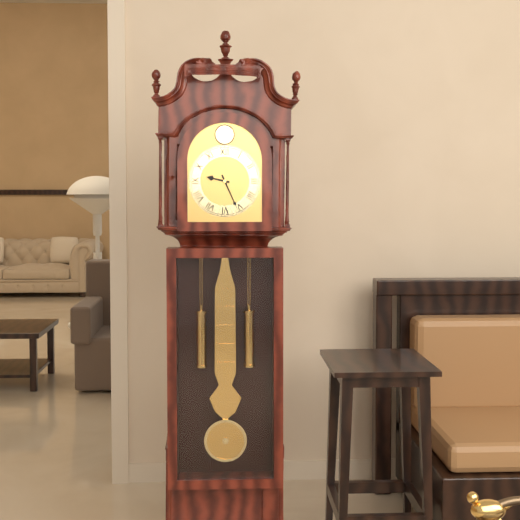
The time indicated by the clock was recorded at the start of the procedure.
9:26
